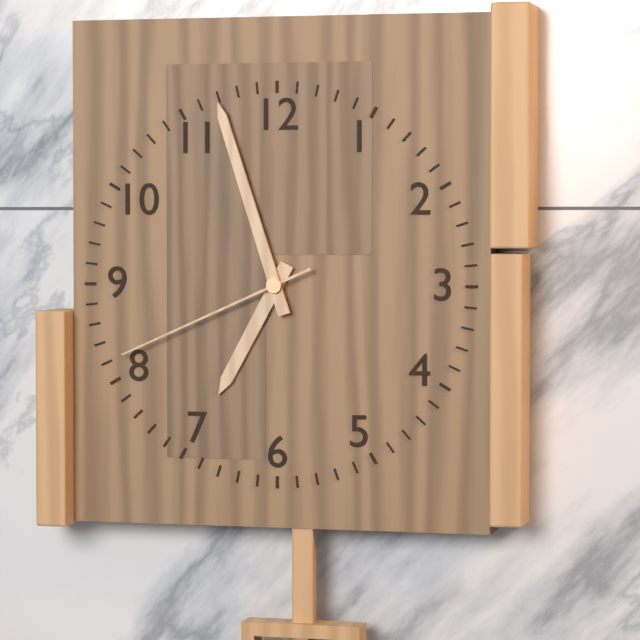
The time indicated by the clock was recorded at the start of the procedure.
6:57:41
